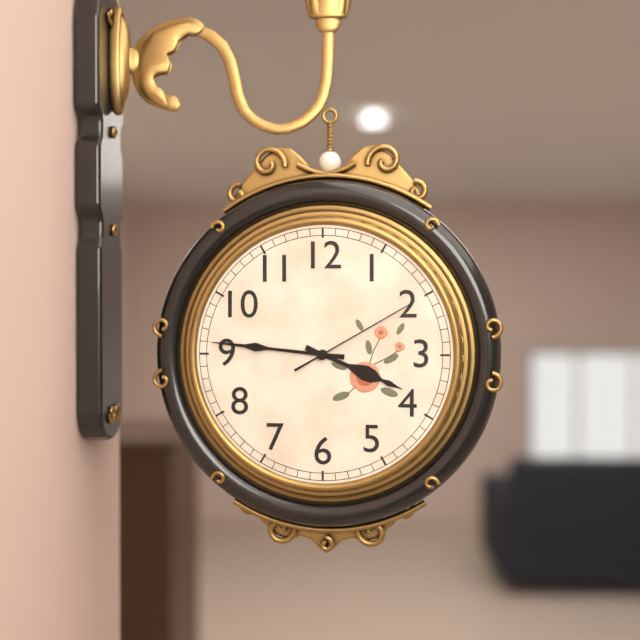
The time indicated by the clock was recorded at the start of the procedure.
3:46:10
